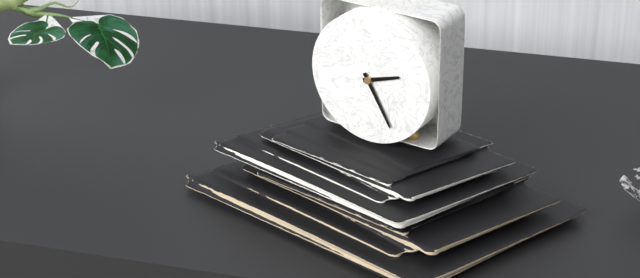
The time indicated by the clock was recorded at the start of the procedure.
2:25
